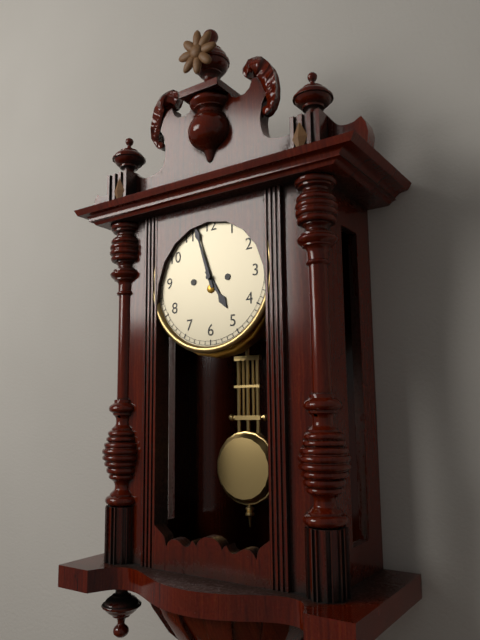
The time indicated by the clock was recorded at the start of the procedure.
4:57
